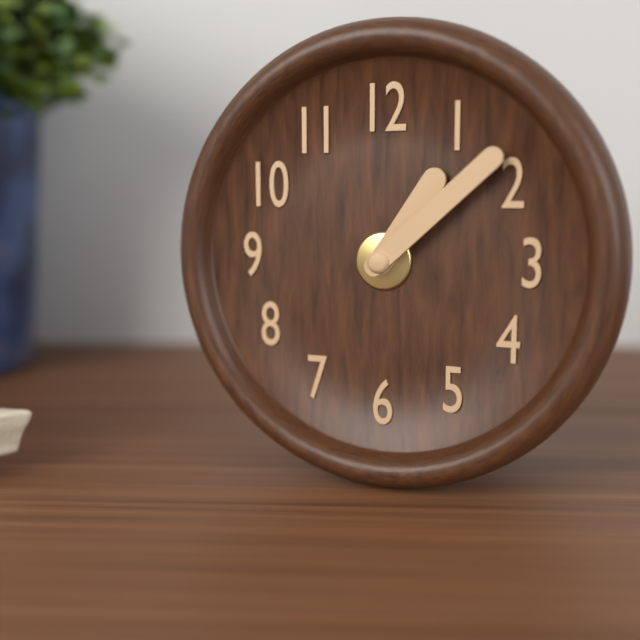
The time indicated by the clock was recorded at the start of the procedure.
1:08
